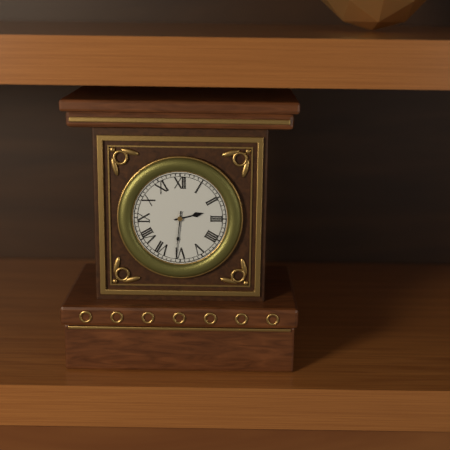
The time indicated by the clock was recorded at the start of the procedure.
2:31
